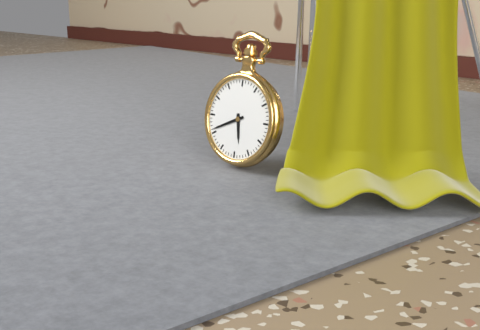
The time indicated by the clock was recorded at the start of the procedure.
5:41
